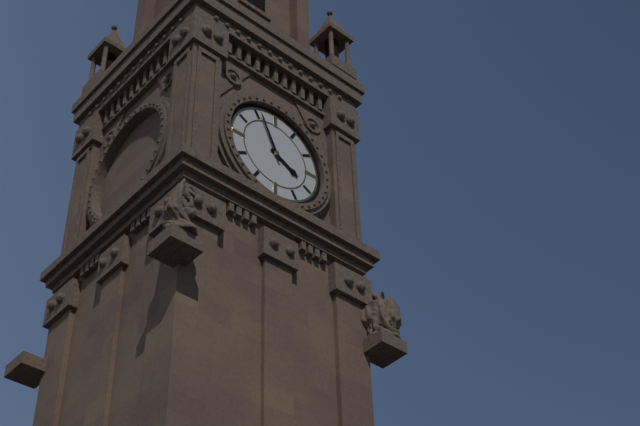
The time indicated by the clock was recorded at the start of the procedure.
3:56
